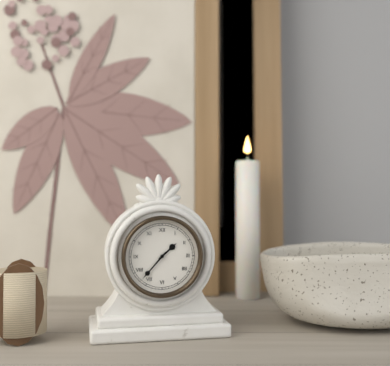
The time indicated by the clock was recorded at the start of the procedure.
1:37
